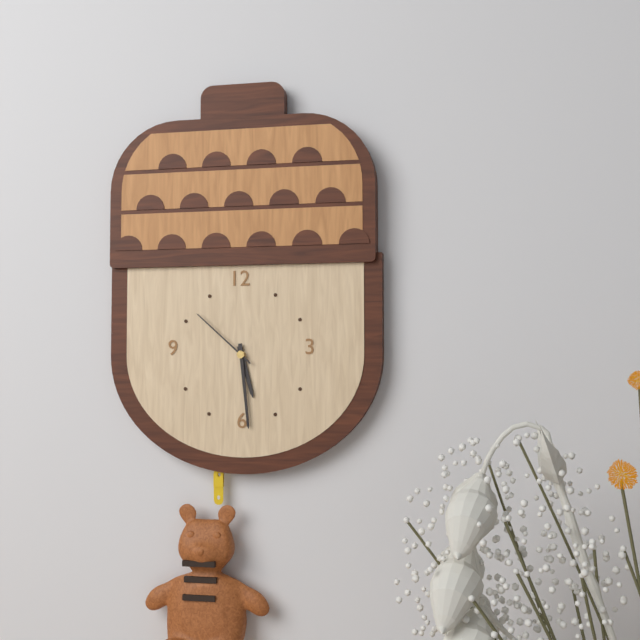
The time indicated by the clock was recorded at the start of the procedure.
5:29:52
